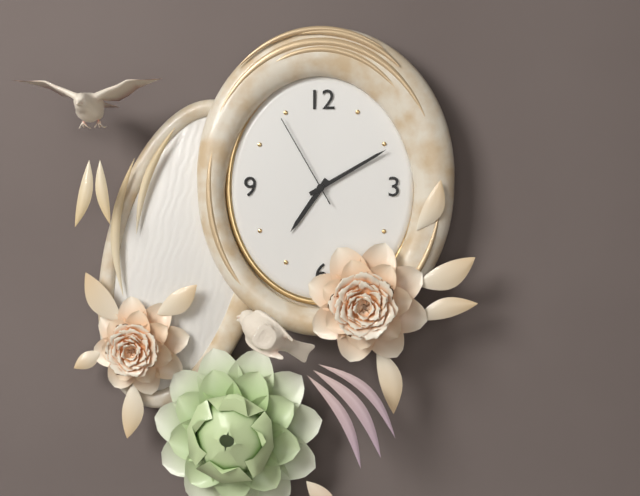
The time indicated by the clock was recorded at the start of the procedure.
7:10:55
